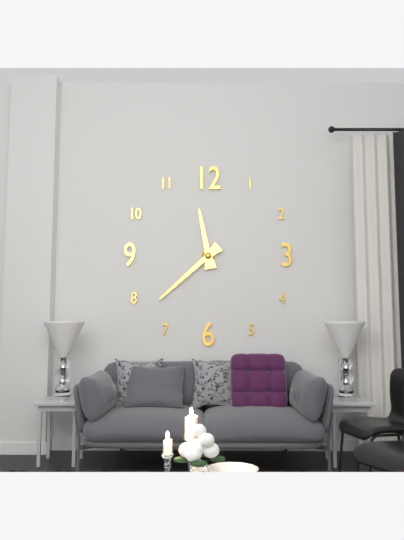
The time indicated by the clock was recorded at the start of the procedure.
11:38
